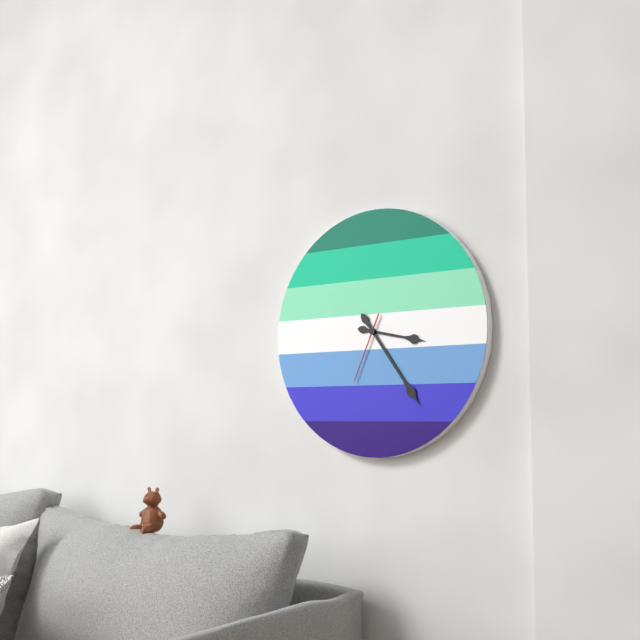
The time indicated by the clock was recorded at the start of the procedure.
3:24:34
